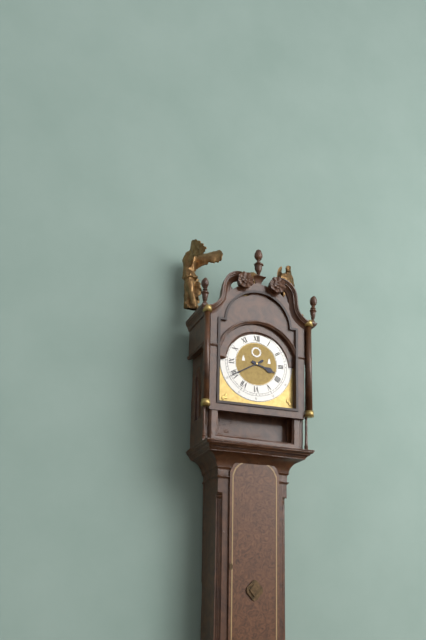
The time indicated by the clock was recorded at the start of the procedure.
3:40
